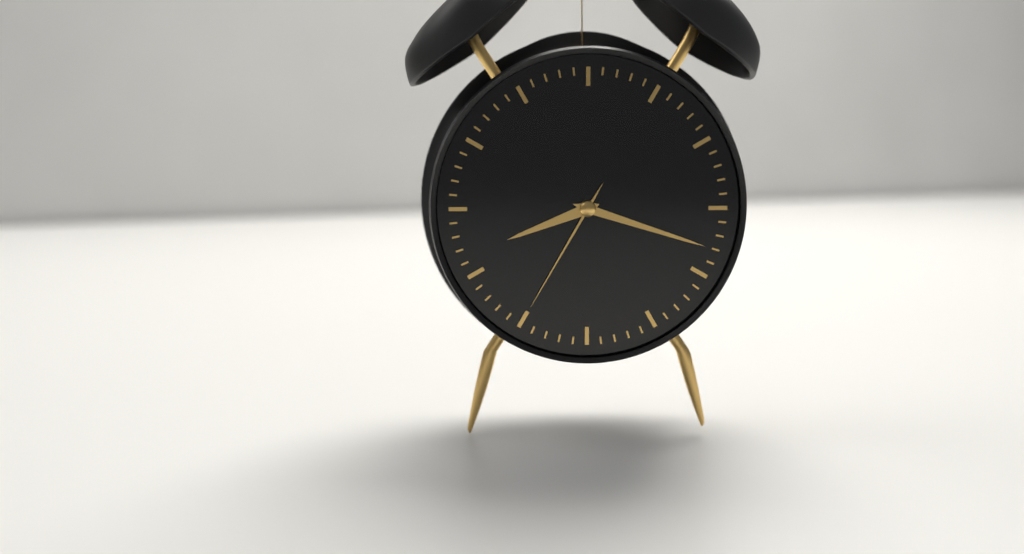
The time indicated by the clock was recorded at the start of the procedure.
8:18:35
